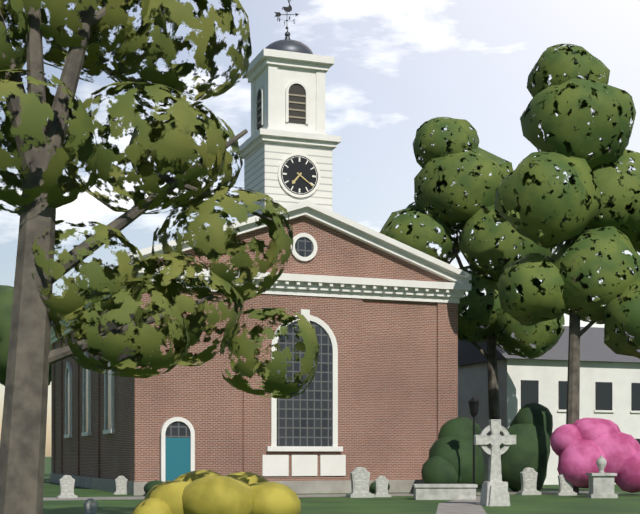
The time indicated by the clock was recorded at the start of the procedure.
7:21
